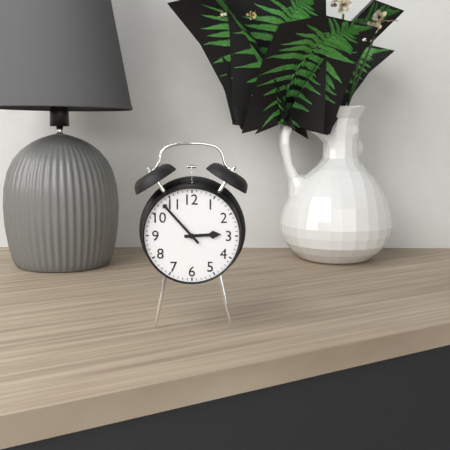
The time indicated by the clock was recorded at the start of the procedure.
2:53
